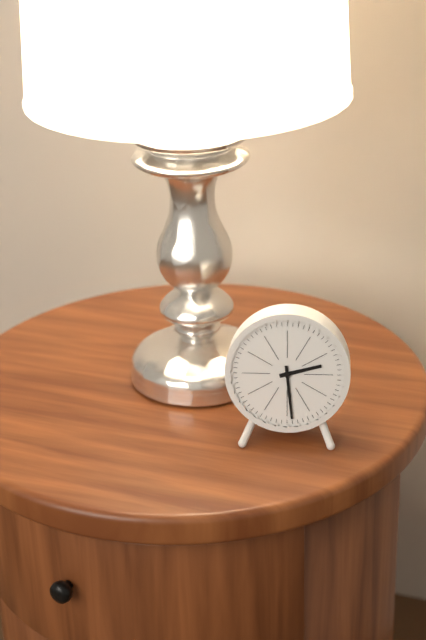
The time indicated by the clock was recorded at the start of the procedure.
2:29
